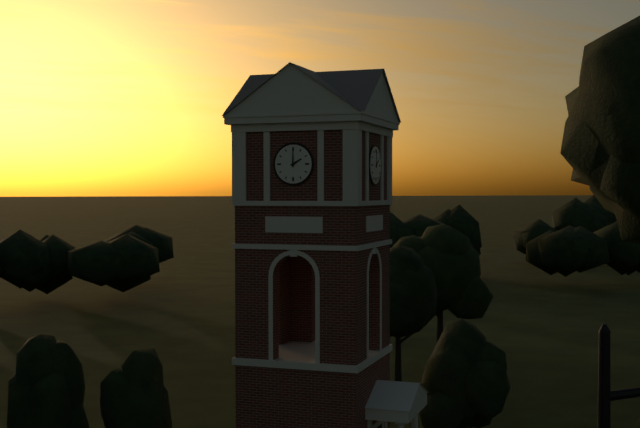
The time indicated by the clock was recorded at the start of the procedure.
2:00
